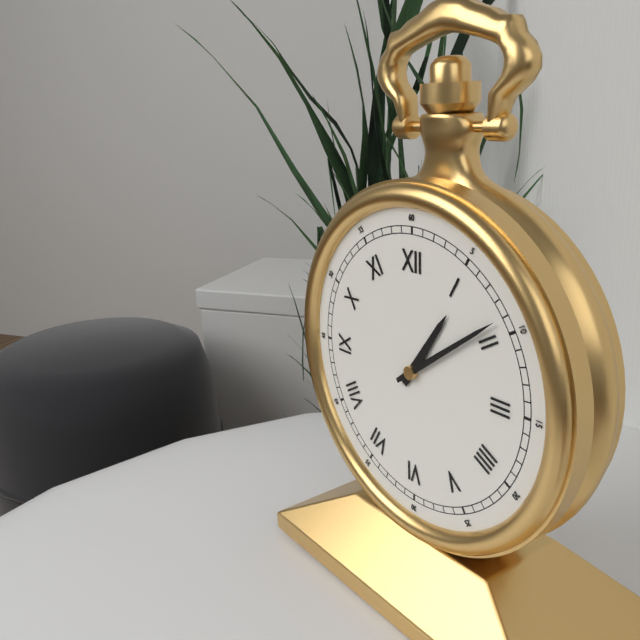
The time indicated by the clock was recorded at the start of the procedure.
1:09
